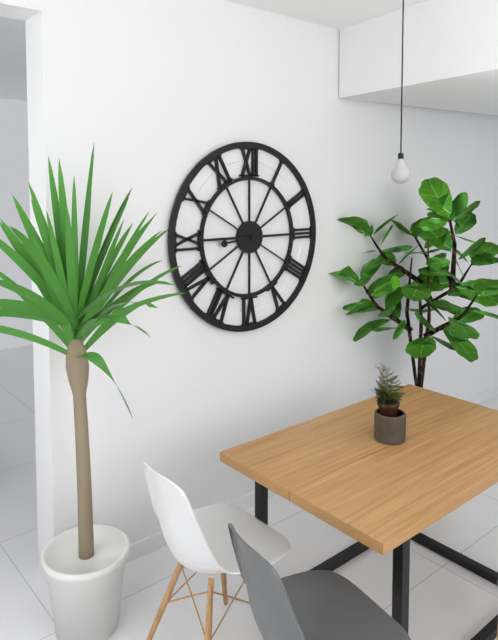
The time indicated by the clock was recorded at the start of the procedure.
8:45
